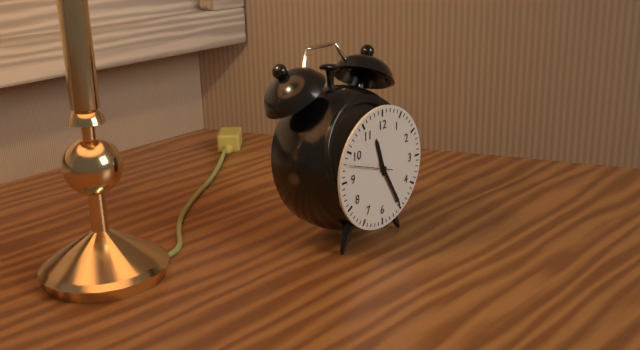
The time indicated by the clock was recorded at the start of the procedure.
11:25
